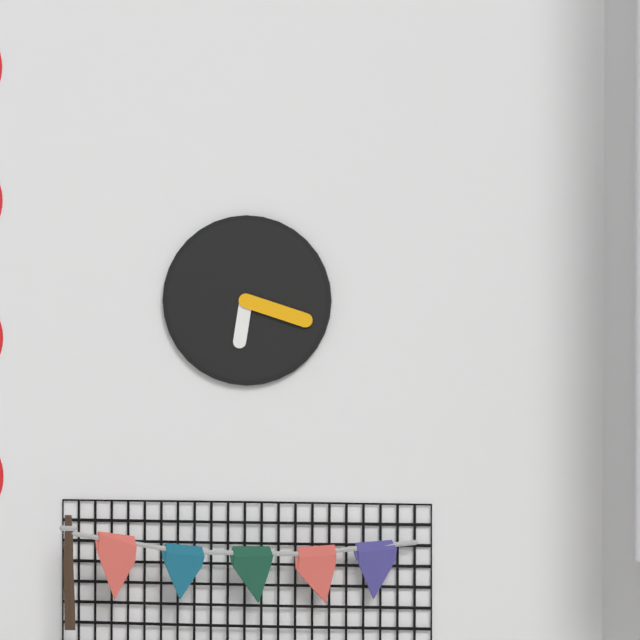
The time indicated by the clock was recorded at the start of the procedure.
6:18
